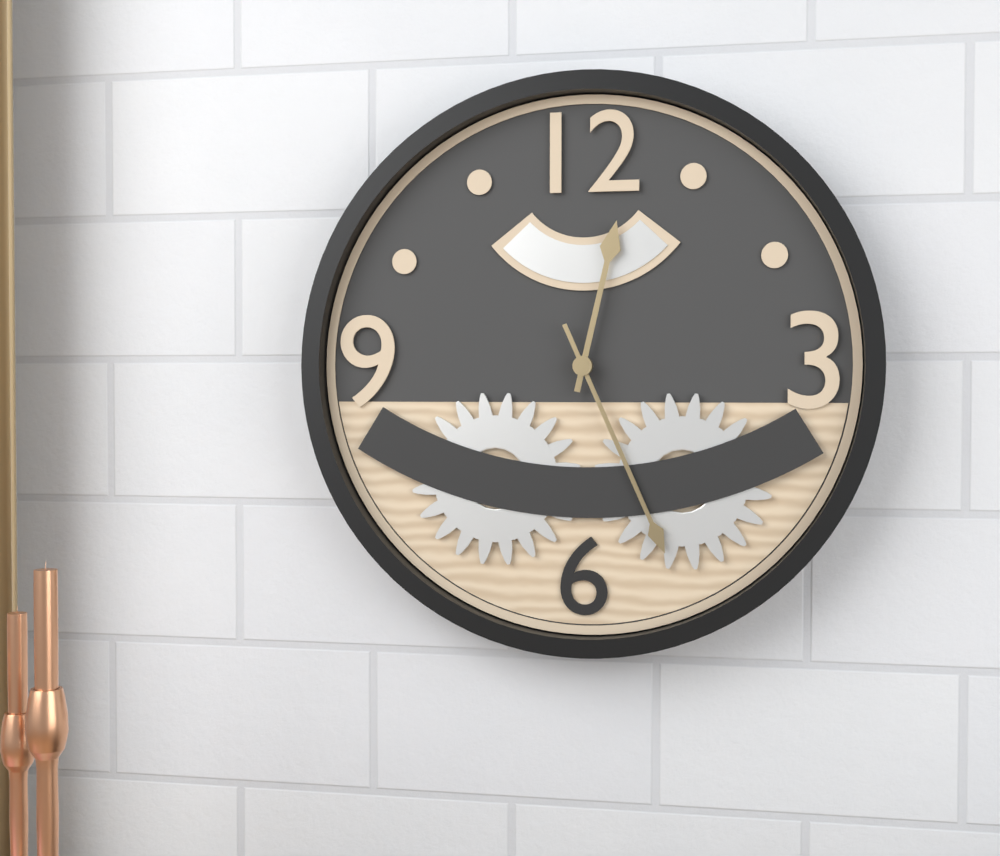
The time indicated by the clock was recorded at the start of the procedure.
12:26
